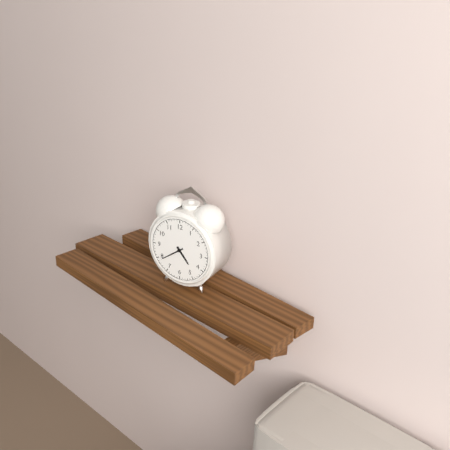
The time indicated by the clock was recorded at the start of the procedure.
4:39
